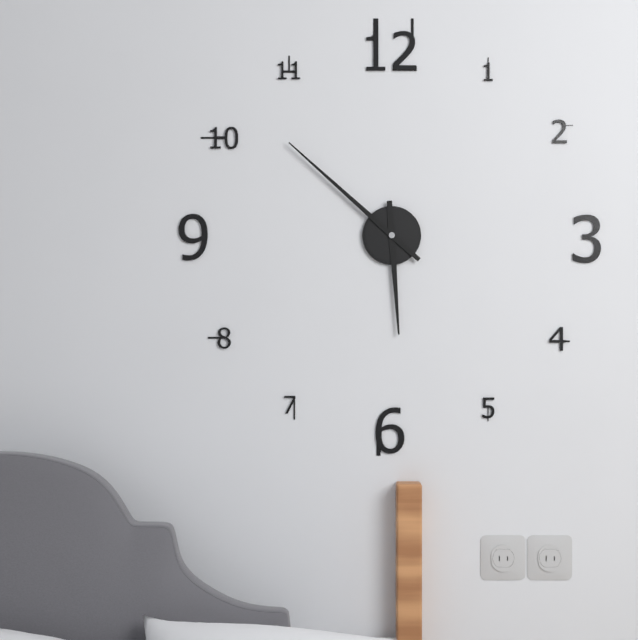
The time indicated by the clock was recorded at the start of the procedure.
5:52
